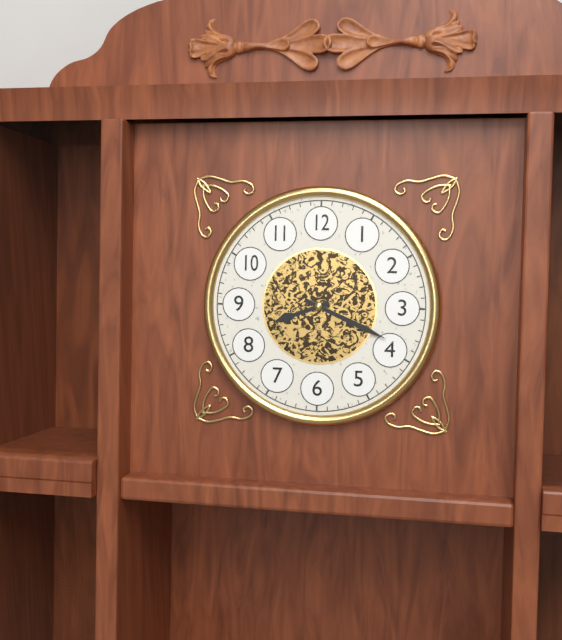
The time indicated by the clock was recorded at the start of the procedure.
8:19
